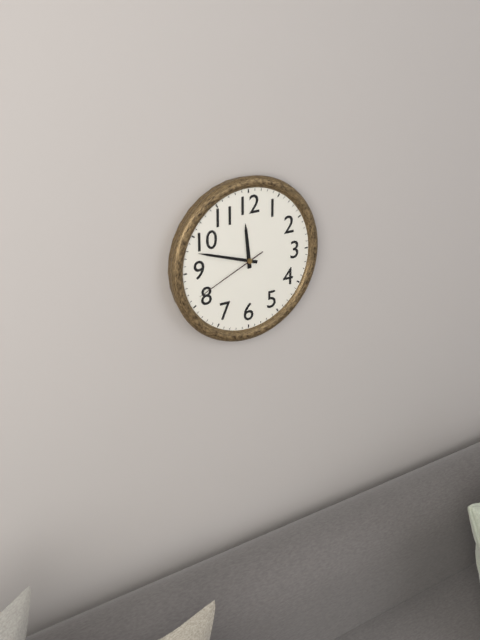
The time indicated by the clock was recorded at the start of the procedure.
11:48:41
